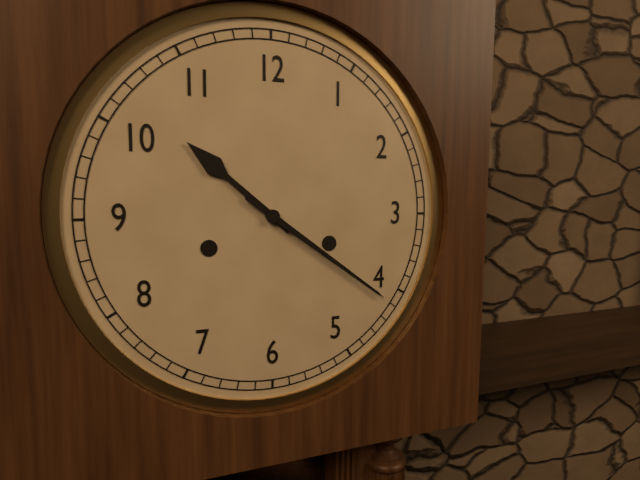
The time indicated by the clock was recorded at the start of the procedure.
10:21
